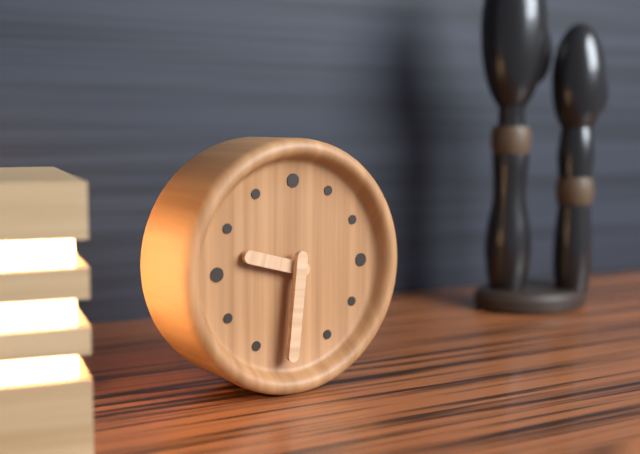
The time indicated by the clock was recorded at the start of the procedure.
9:31
